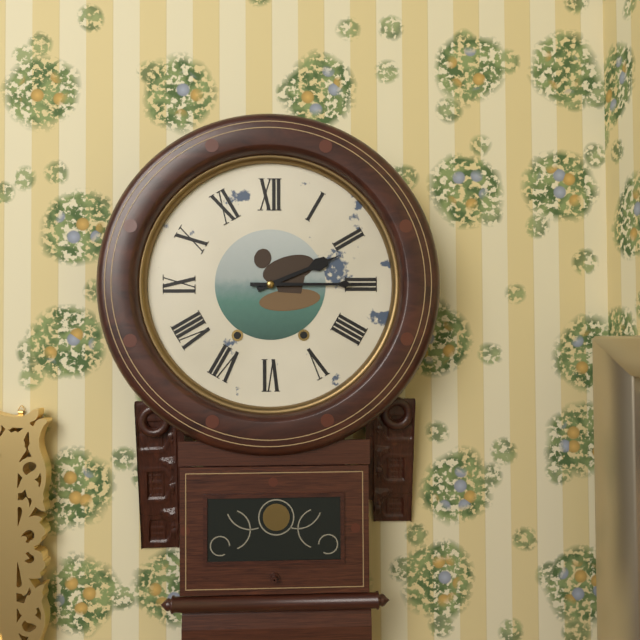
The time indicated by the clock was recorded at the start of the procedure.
2:15
